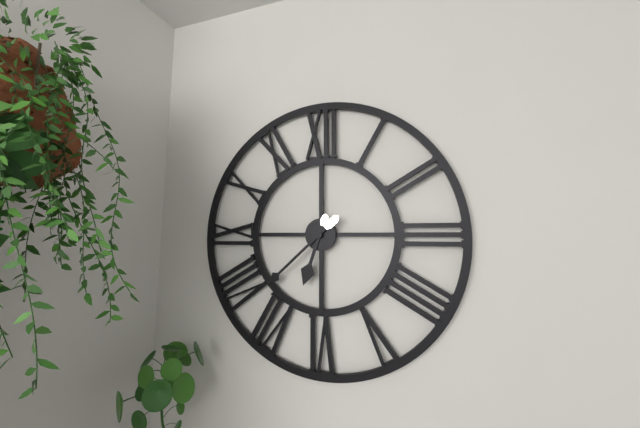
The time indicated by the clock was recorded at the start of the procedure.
6:38
